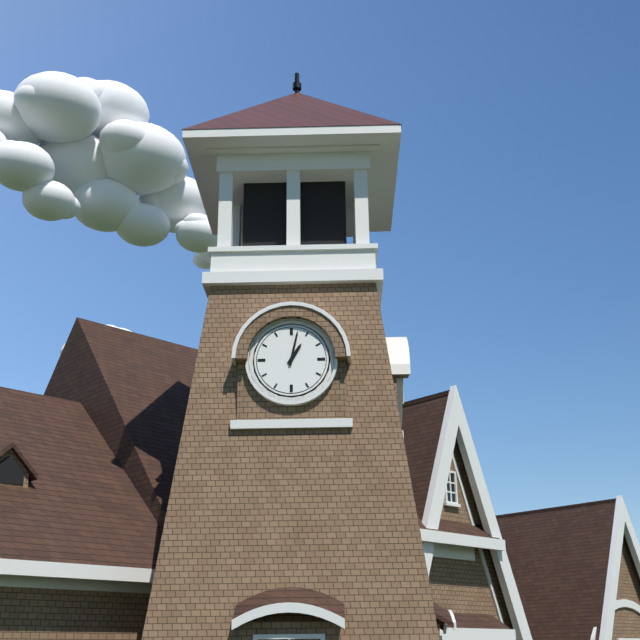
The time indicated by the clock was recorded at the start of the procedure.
1:02
